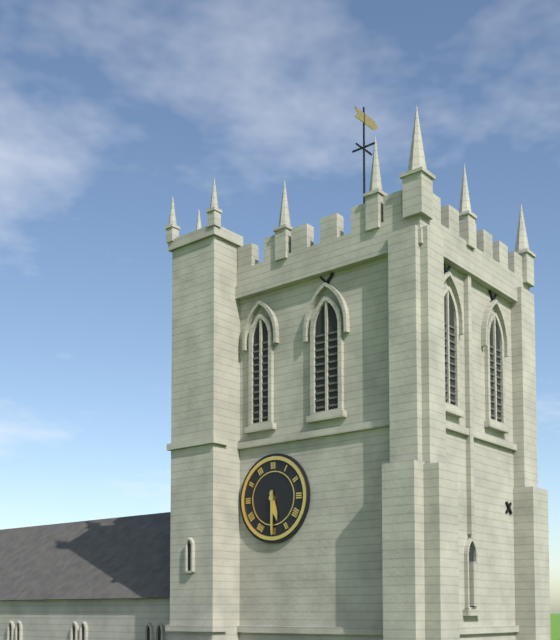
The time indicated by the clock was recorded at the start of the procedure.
5:30
